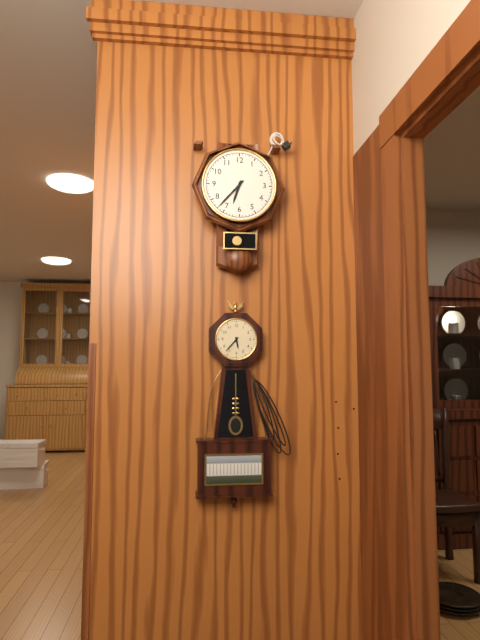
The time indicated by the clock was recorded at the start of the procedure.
6:37
